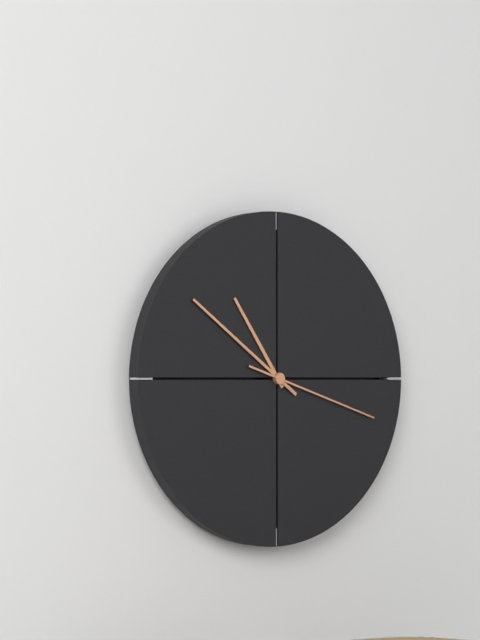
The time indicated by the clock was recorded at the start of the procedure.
10:51:18
